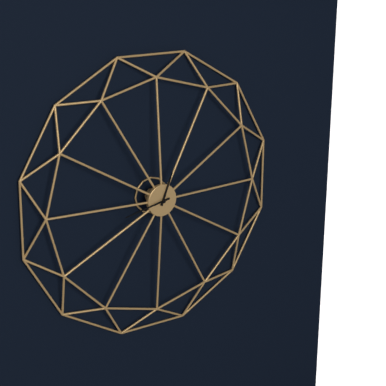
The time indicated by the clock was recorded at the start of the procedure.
12:43
